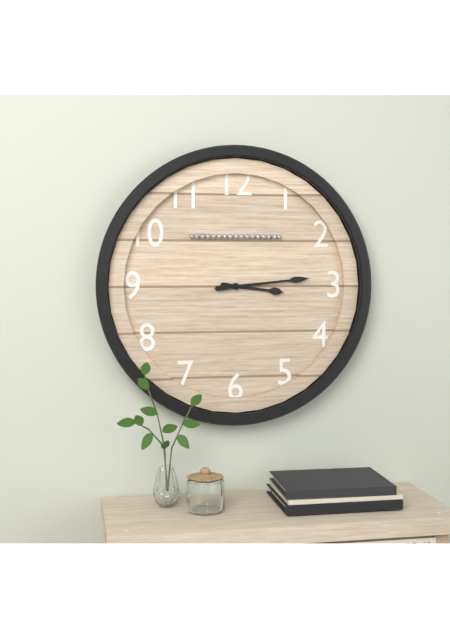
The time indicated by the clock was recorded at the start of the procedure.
3:14
